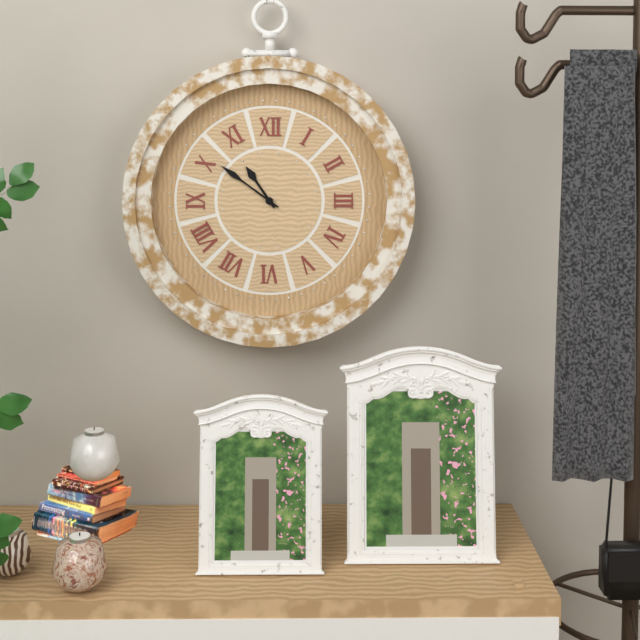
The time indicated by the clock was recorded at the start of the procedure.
10:51
